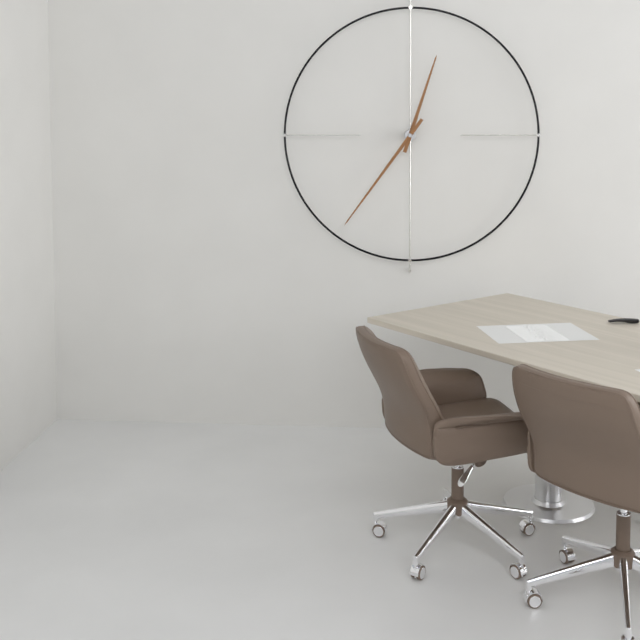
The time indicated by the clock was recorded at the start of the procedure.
12:36
